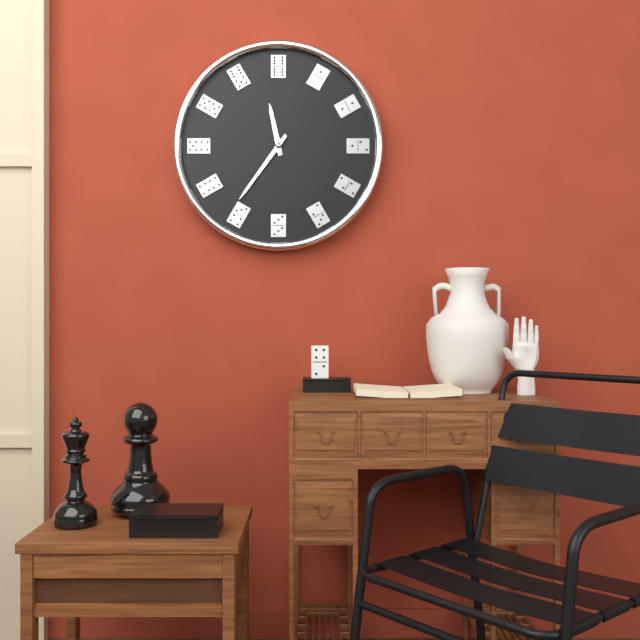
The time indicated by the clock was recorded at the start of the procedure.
11:36
